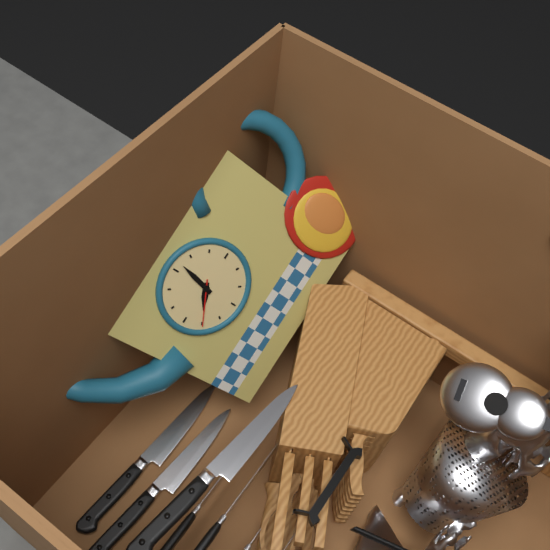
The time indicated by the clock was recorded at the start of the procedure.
8:02:40
